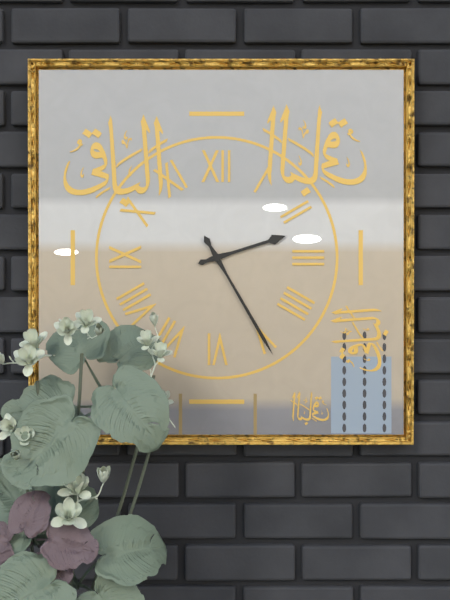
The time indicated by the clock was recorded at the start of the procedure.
2:25
